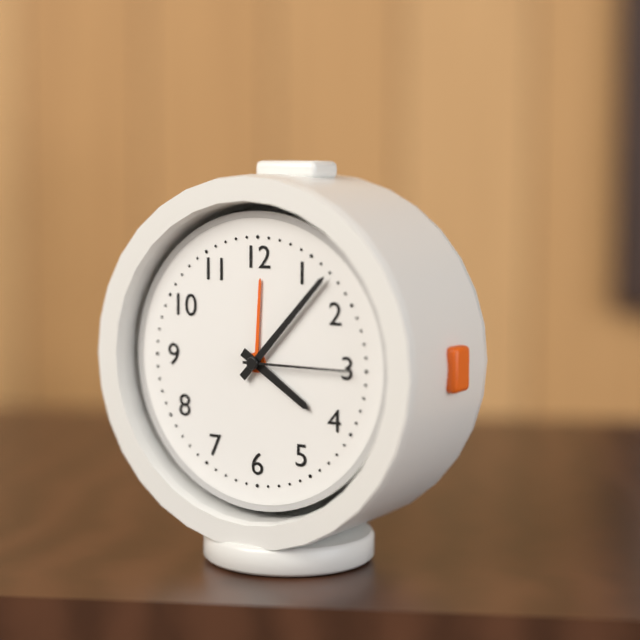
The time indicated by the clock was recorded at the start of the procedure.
4:07:15
